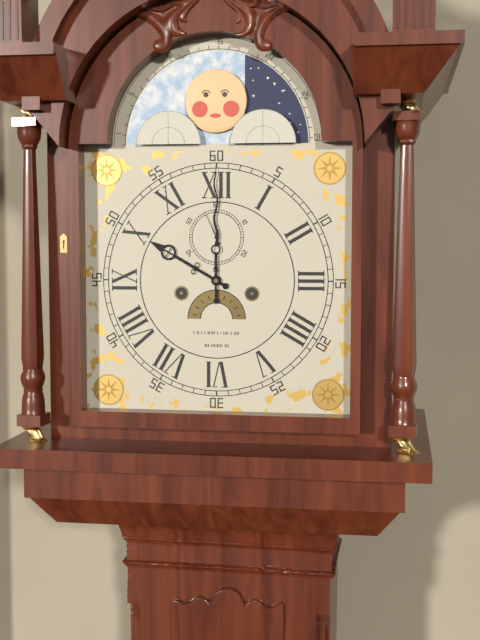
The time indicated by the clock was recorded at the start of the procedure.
10:00
